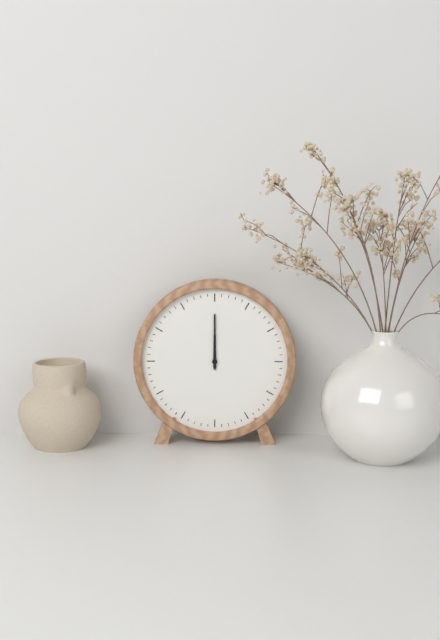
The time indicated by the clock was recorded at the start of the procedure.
12:00
